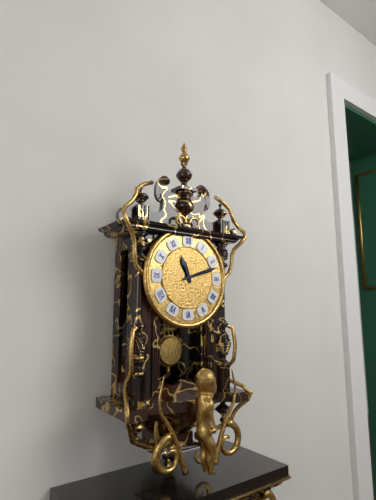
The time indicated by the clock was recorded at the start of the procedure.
11:12
